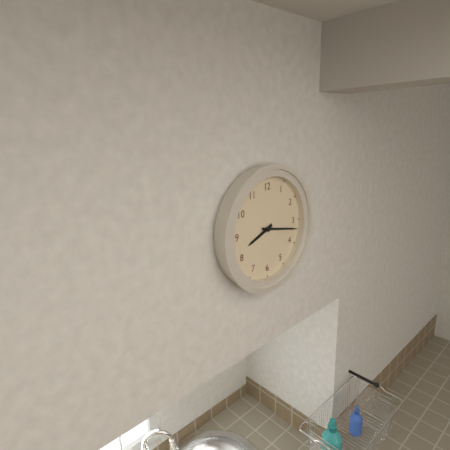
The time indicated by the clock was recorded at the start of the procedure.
8:17
